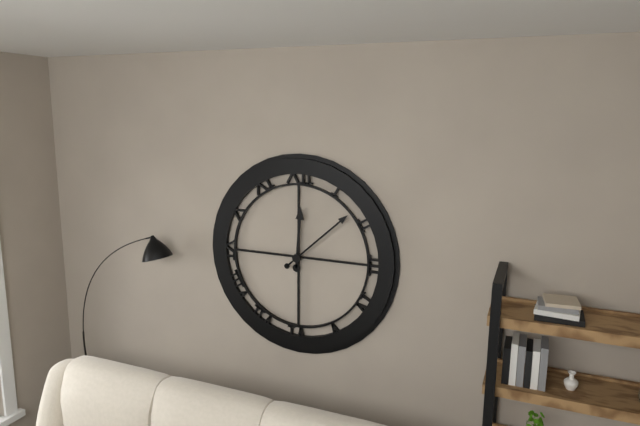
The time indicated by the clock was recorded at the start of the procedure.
12:08
